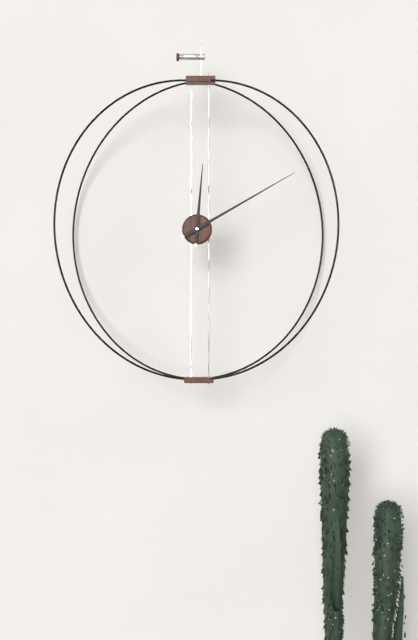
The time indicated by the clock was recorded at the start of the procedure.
12:10
